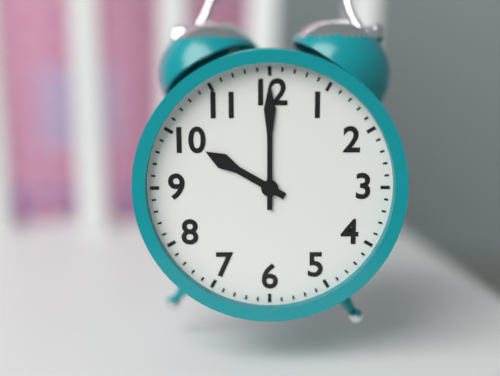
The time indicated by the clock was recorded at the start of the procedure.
10:00
